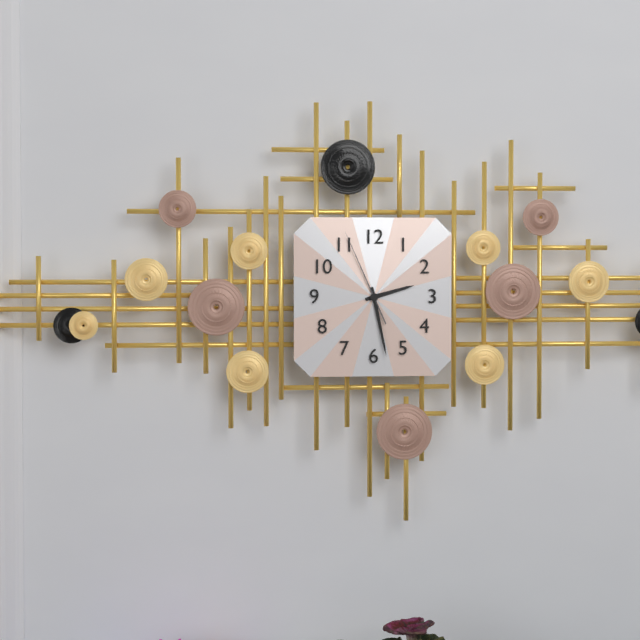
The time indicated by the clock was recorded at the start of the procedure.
2:28:56
